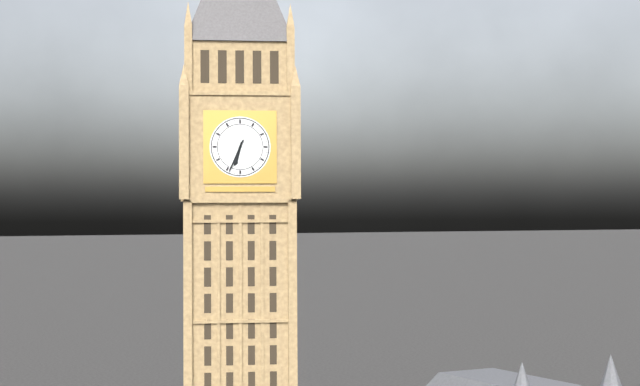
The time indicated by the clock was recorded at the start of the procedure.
6:34
